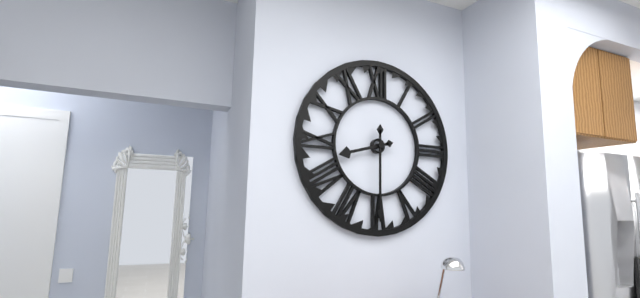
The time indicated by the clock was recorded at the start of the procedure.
8:30
